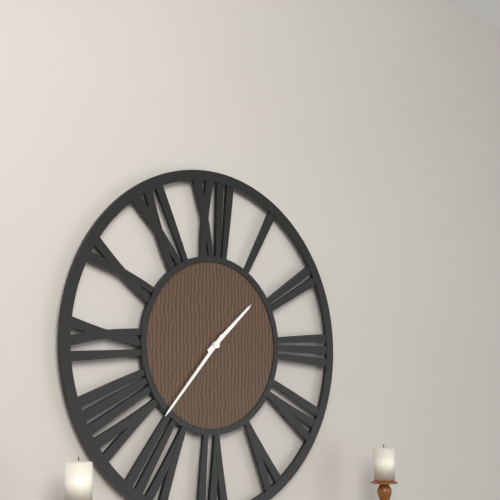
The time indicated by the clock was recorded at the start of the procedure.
1:37:37
